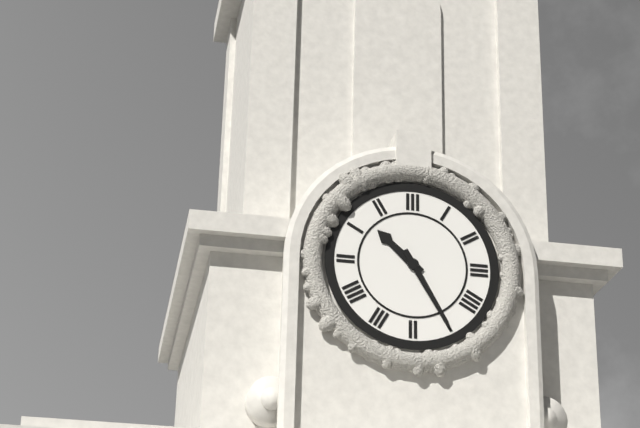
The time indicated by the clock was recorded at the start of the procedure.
10:25
